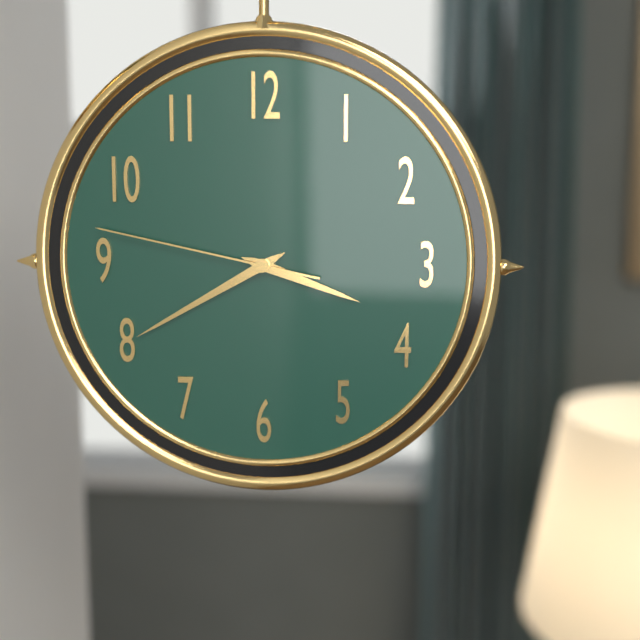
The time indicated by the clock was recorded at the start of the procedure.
3:40:47
